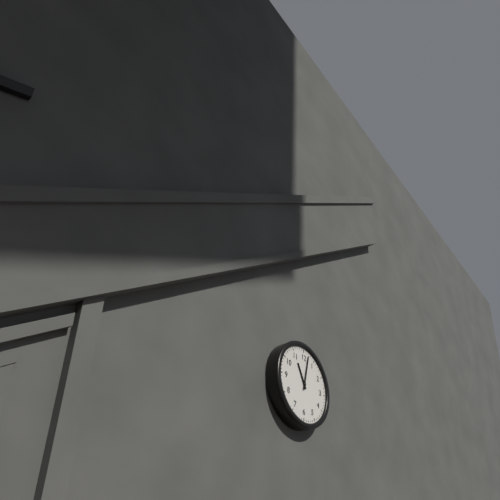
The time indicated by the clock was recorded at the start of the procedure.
11:02
